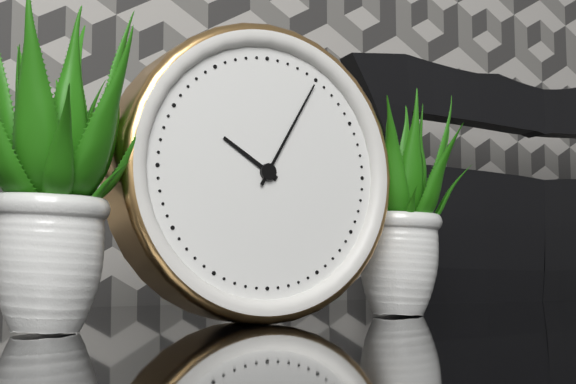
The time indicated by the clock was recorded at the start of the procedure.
10:05
